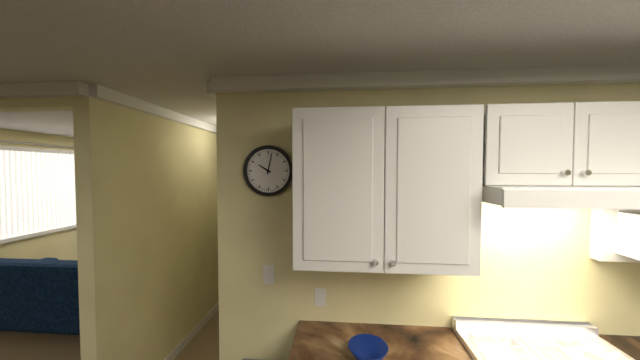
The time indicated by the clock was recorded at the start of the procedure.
10:02
